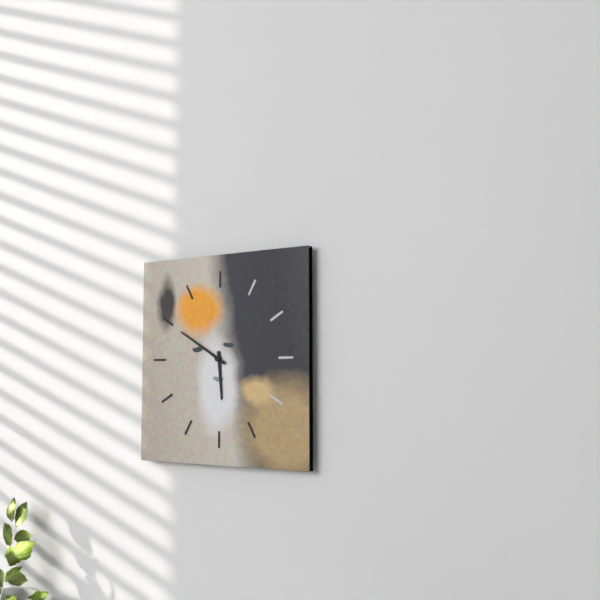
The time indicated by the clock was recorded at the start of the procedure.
5:50
